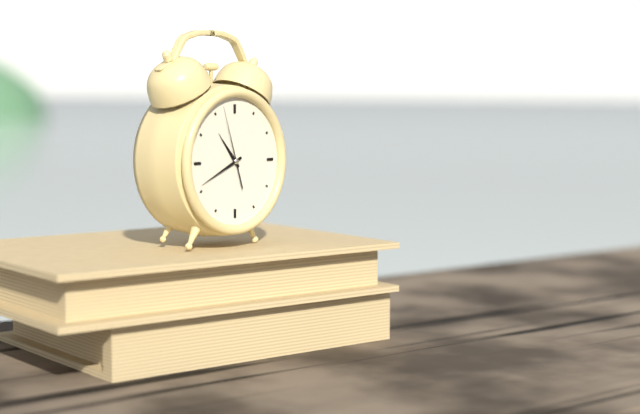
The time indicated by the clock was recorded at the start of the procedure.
10:41:57
